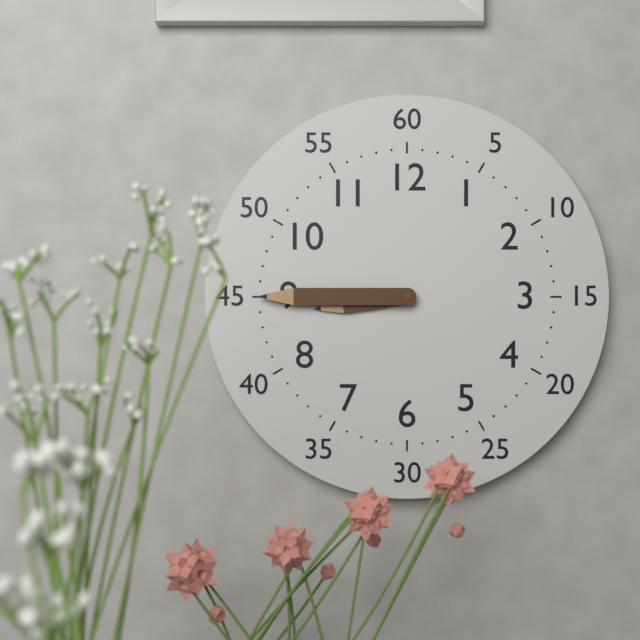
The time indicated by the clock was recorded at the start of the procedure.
8:45
